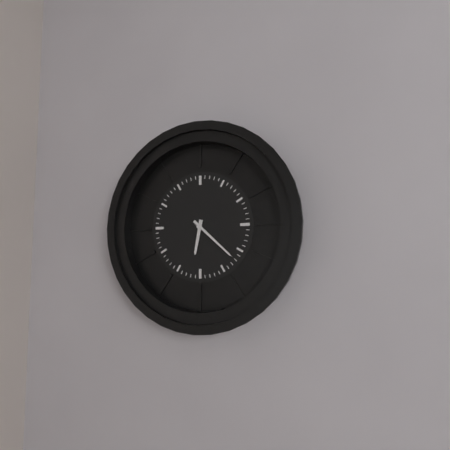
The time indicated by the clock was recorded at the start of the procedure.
6:22
